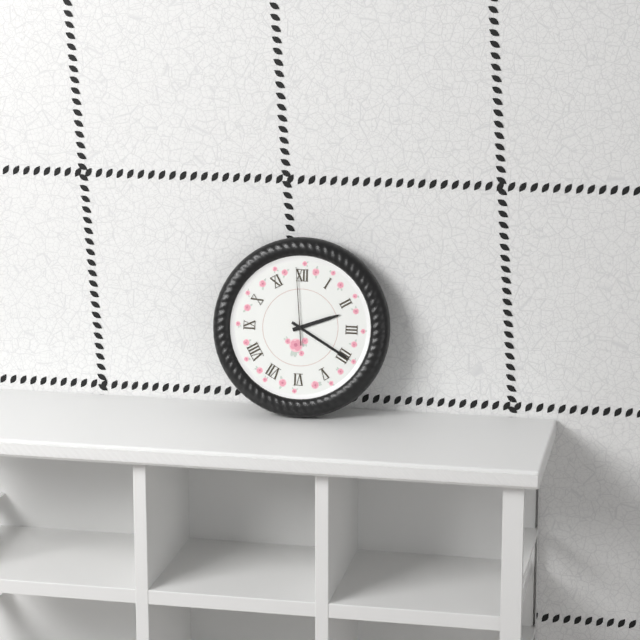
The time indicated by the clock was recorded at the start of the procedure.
2:20:59
